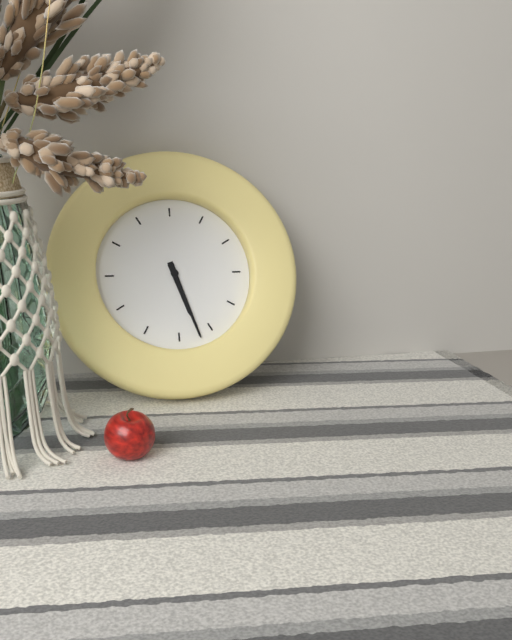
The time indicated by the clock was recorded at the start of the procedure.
5:27
